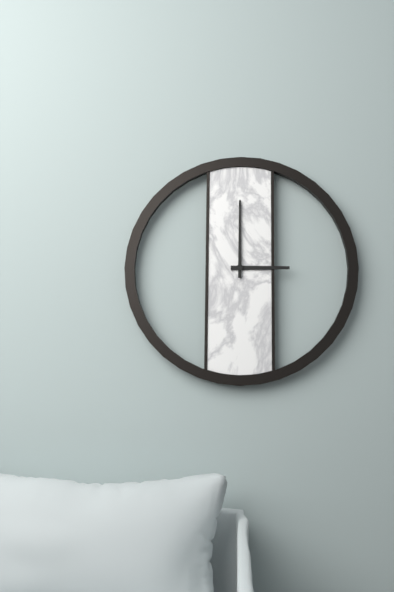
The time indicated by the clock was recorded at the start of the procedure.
3:00
